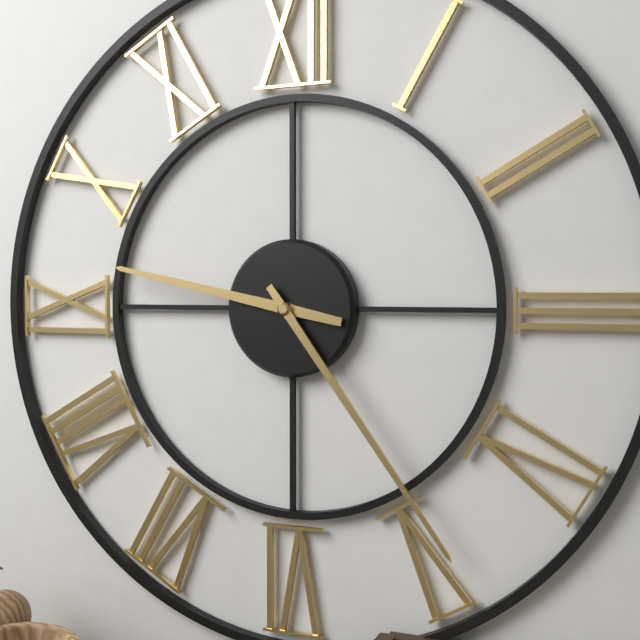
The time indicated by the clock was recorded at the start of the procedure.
9:24
